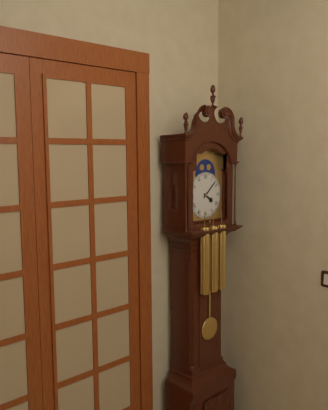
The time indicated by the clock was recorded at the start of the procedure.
4:08
